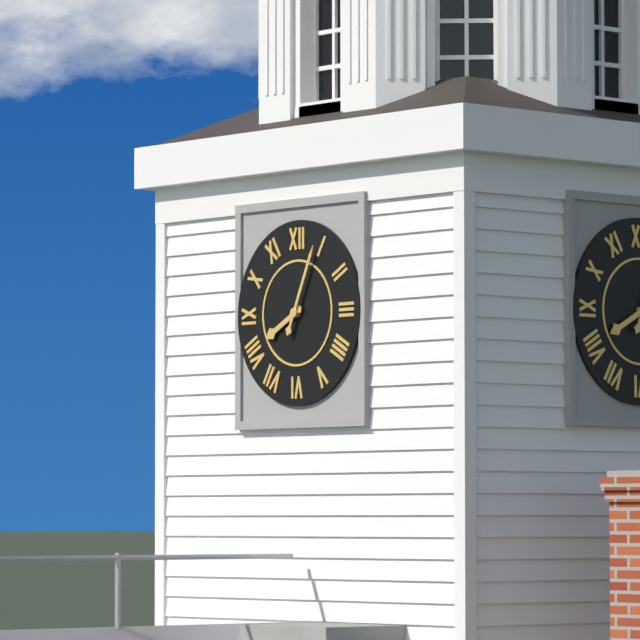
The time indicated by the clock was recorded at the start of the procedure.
8:04
